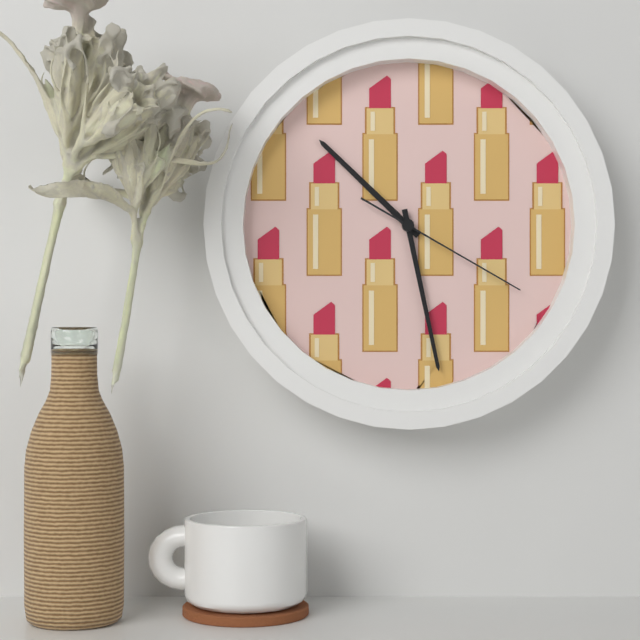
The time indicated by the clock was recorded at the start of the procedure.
10:28:20
